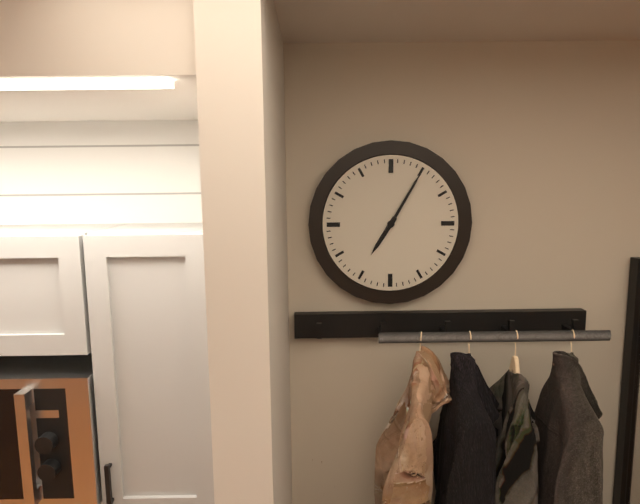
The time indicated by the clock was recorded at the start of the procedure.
7:05
